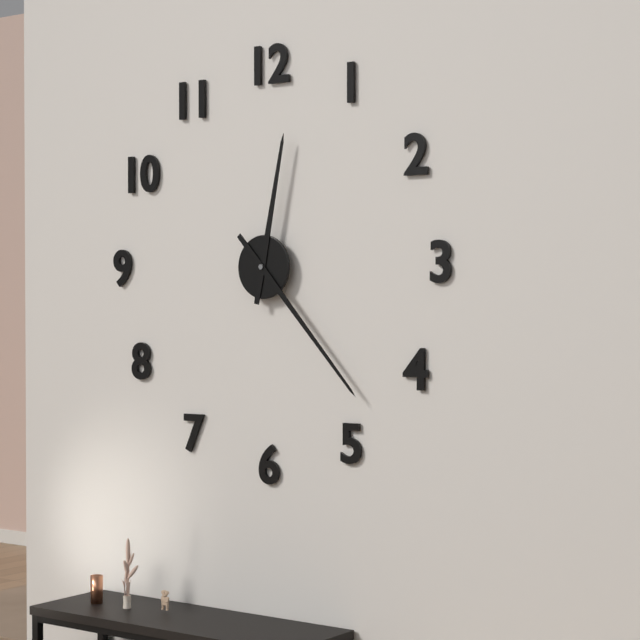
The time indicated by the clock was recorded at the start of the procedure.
12:23
